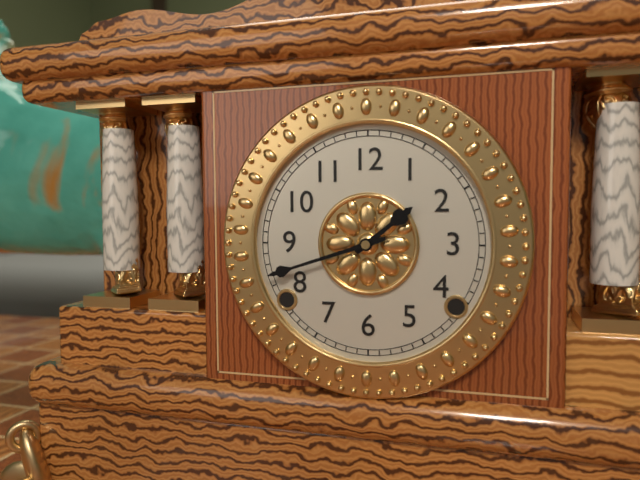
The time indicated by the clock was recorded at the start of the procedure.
1:42
